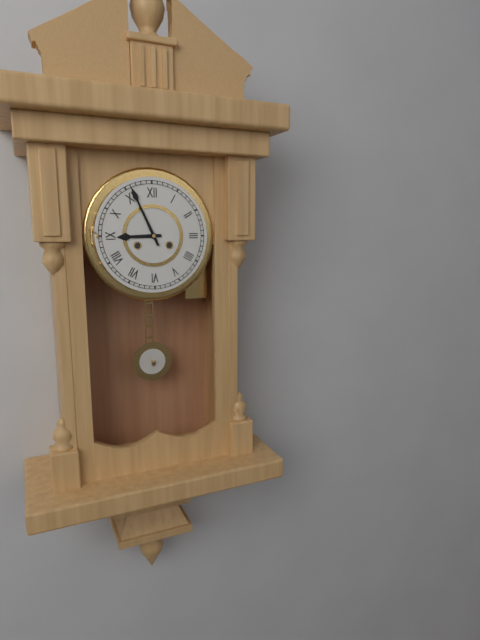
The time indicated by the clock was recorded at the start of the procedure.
8:56
